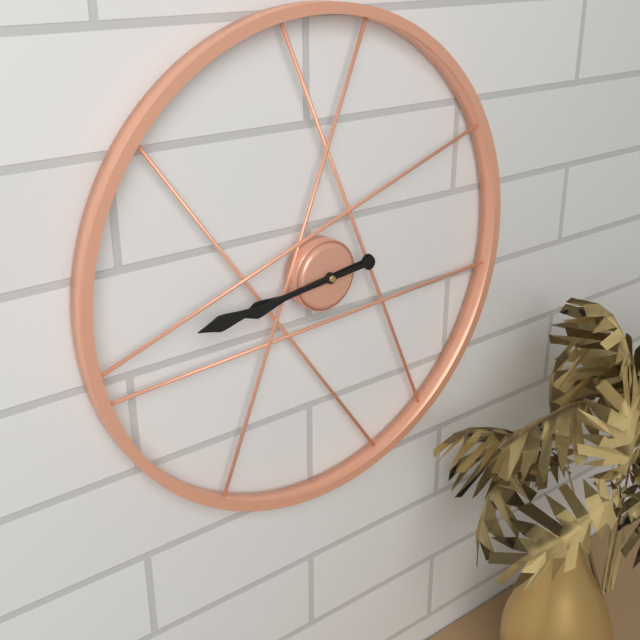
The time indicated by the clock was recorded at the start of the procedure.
8:44
